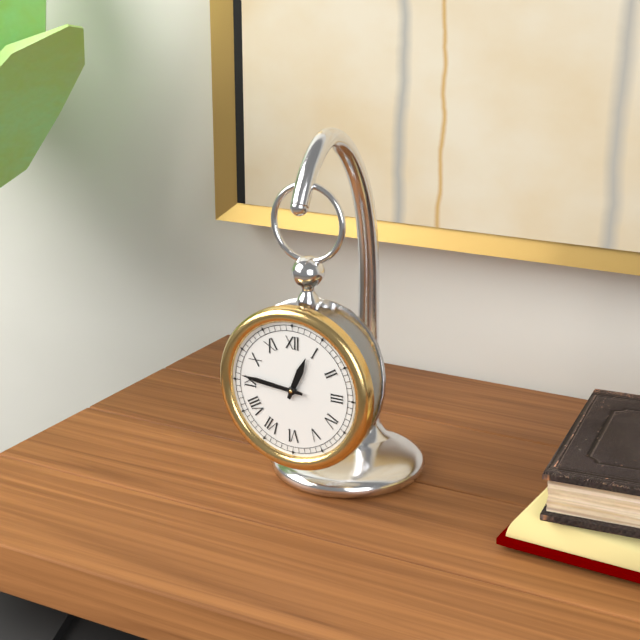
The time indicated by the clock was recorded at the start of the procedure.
12:46
